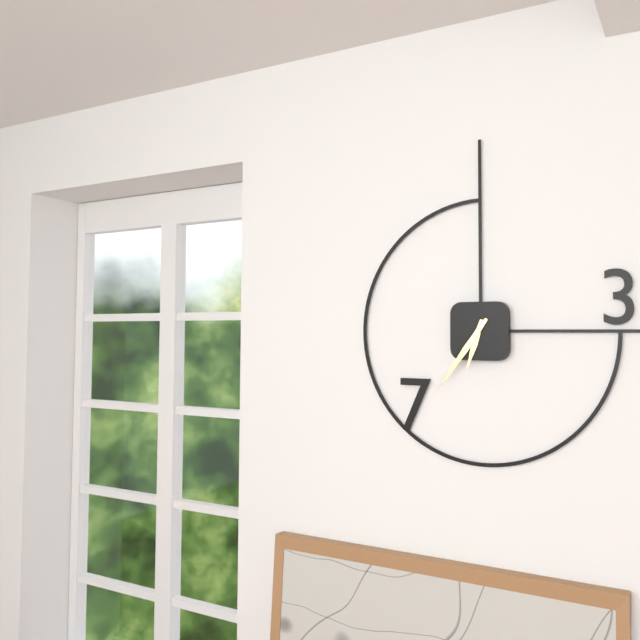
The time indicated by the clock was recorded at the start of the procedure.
6:36
